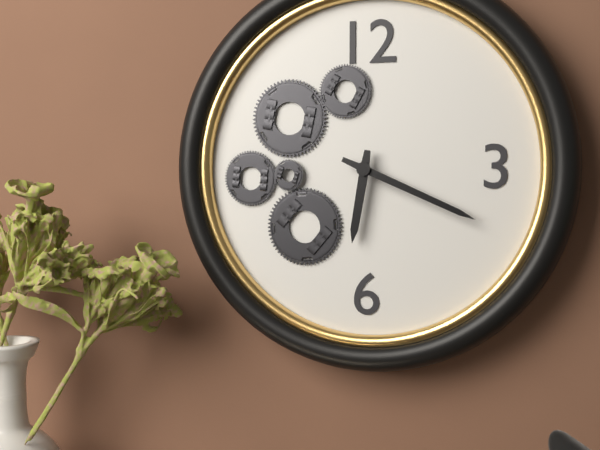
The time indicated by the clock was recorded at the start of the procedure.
6:19
